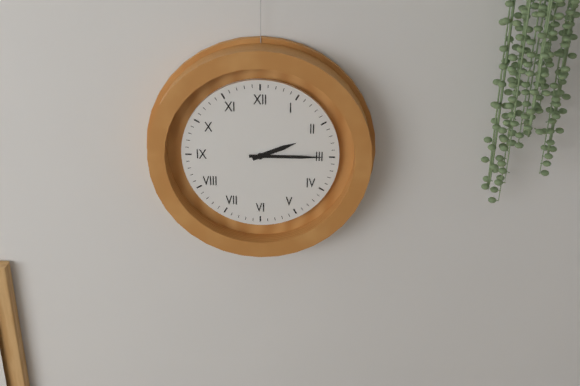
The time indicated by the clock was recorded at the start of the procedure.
2:15
